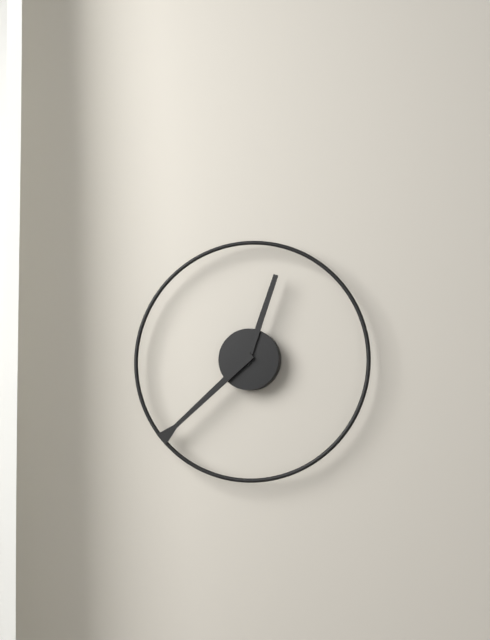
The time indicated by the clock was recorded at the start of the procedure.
12:38
